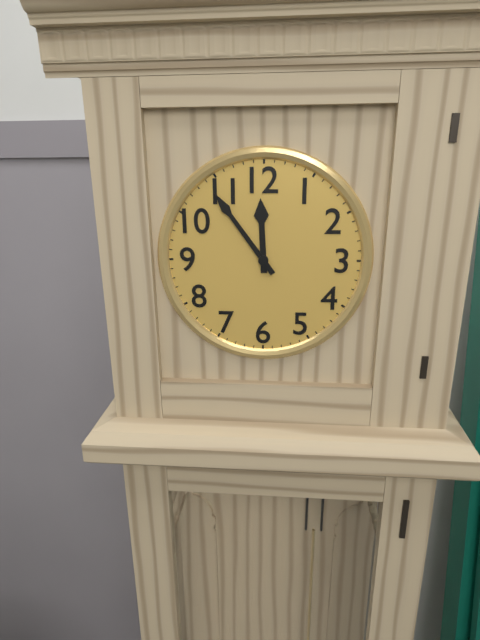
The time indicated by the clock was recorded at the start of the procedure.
11:54
